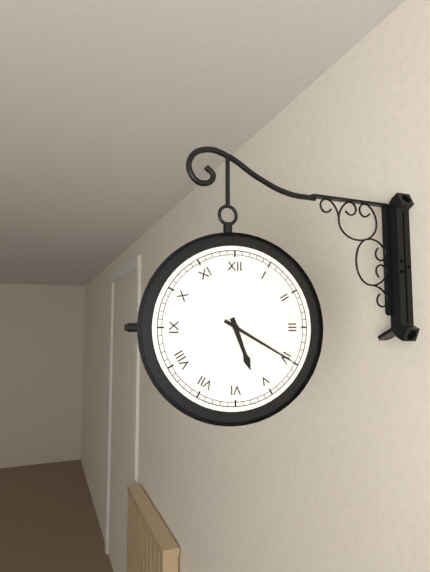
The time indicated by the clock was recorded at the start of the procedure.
5:20
